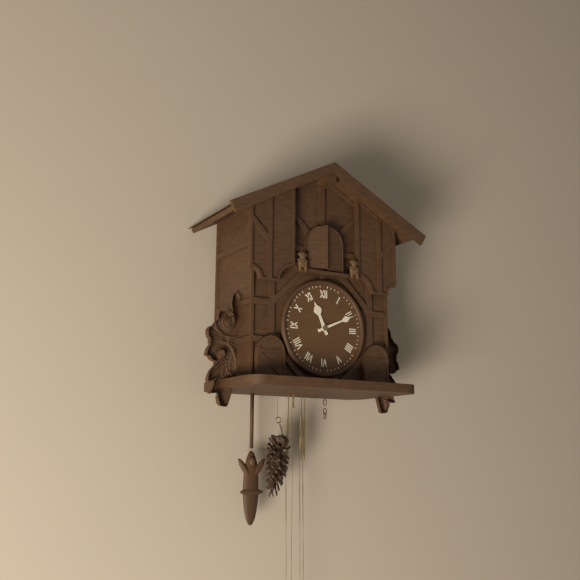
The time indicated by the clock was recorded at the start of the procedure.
11:11
